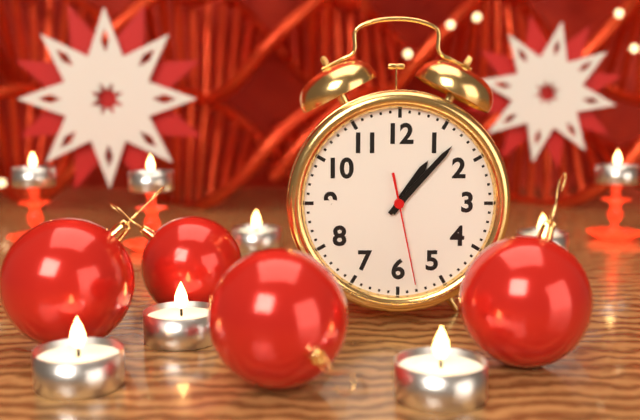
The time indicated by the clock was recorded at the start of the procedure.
1:07:28
